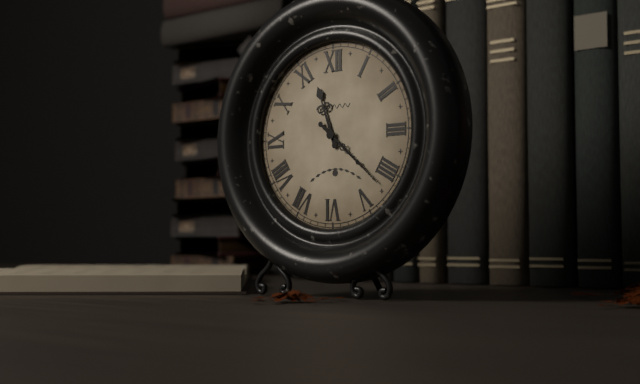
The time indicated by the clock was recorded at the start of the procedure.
11:22
